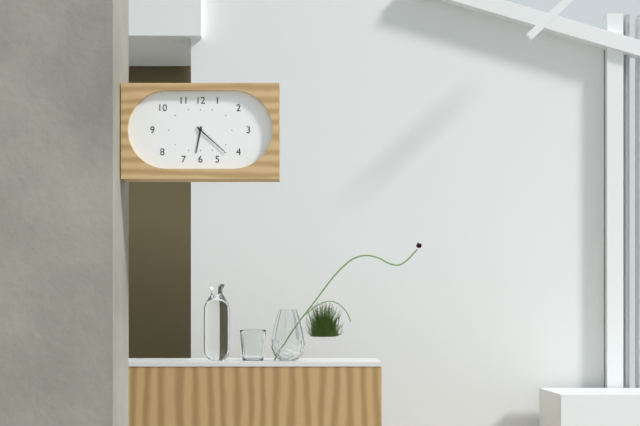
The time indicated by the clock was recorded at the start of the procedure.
6:22
